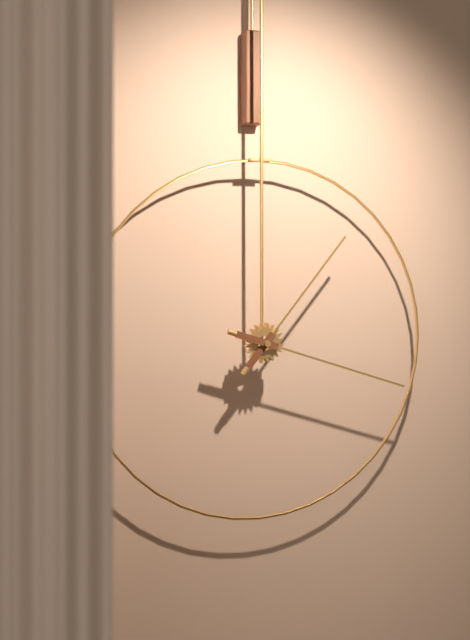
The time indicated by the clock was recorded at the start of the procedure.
1:18
